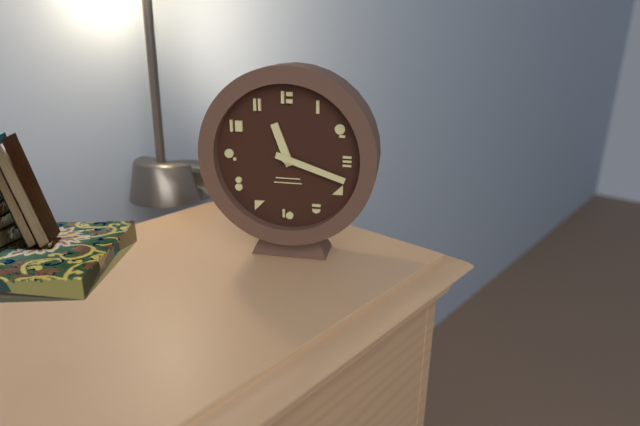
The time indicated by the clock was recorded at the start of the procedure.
11:18
